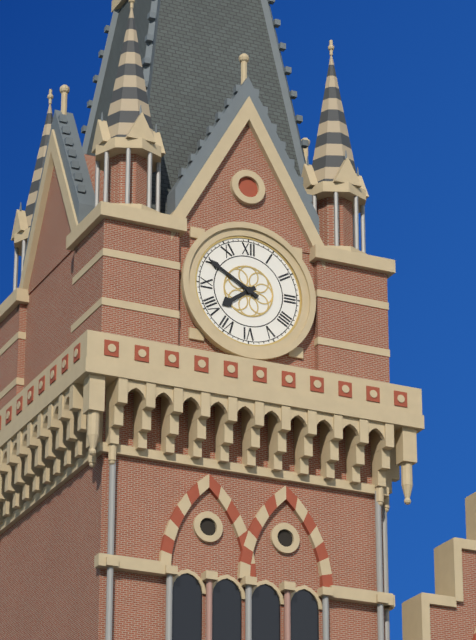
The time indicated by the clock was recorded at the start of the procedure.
7:50
